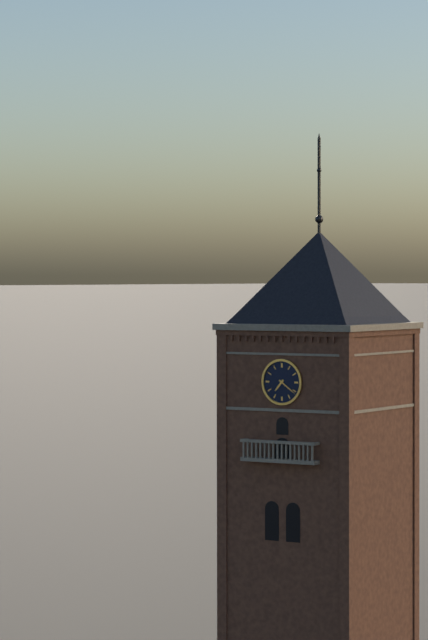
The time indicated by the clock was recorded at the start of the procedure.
7:21
